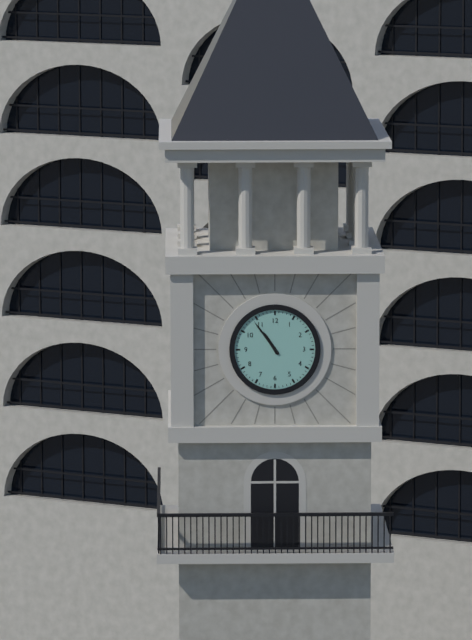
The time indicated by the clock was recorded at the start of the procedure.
10:54
